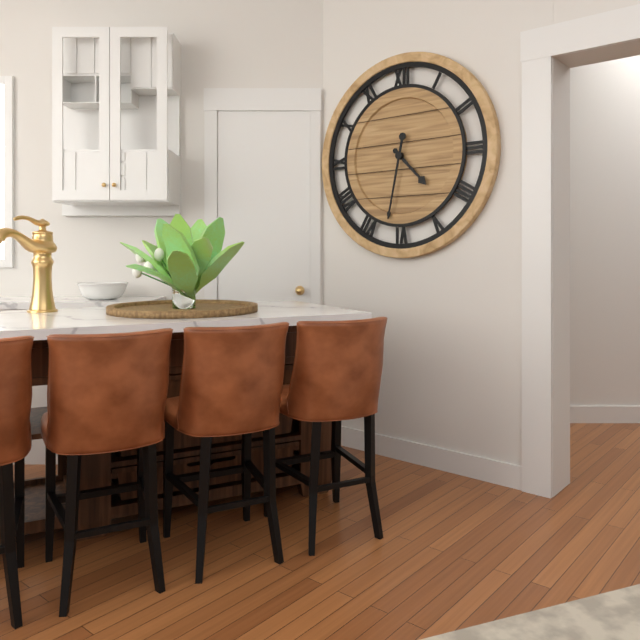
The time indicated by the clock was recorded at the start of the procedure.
4:32
